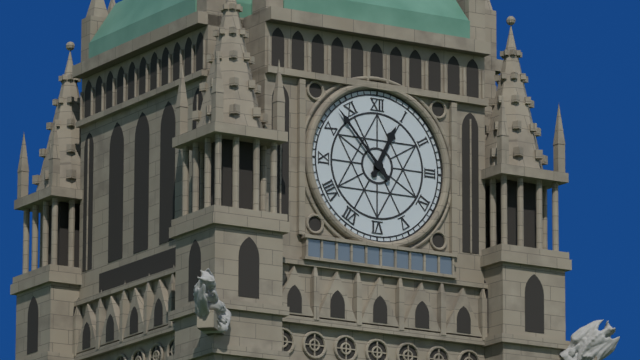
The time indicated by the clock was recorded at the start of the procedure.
12:53
